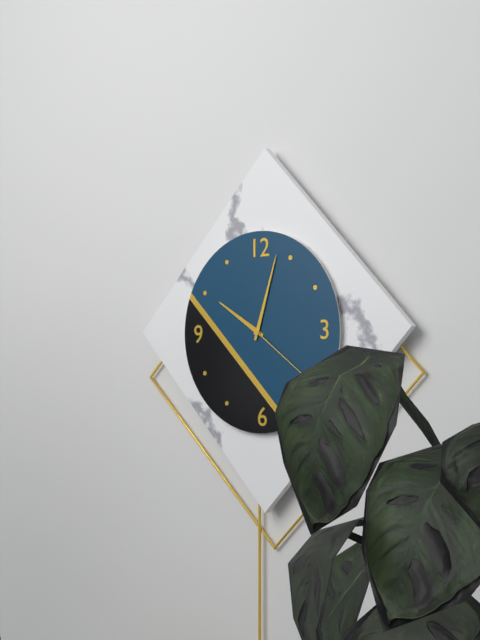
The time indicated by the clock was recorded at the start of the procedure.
10:03:21
